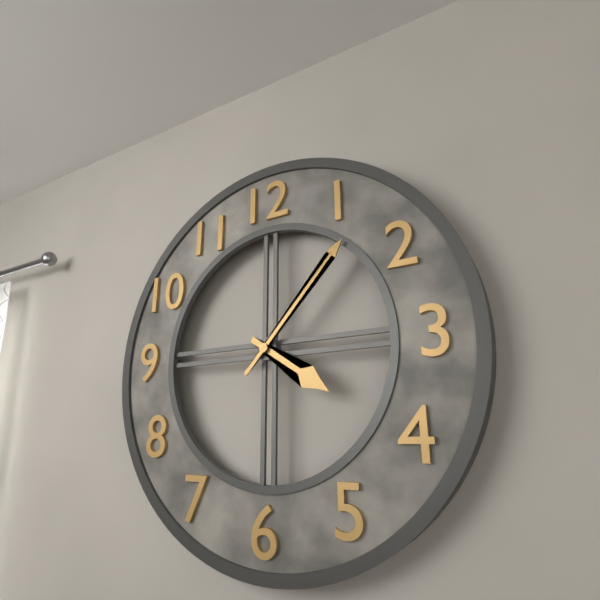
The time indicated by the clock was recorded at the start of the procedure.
4:07
